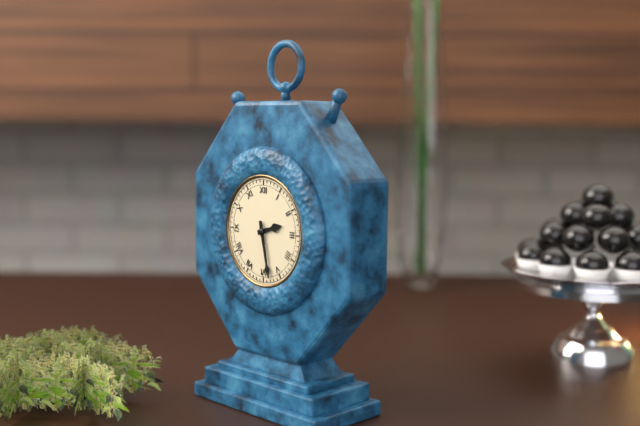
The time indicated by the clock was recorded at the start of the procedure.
2:28
